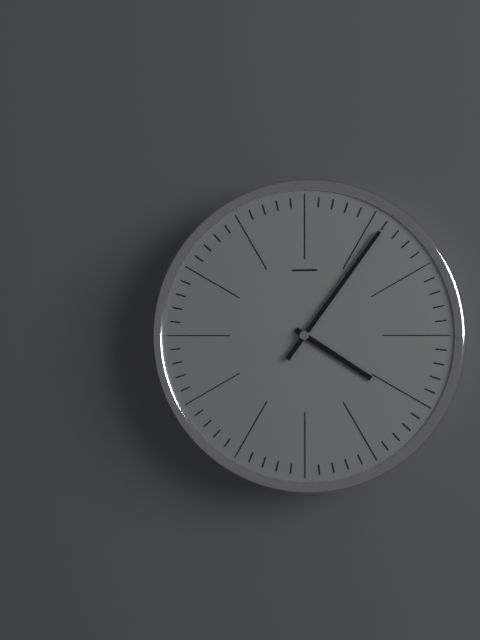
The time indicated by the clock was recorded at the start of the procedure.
4:06
